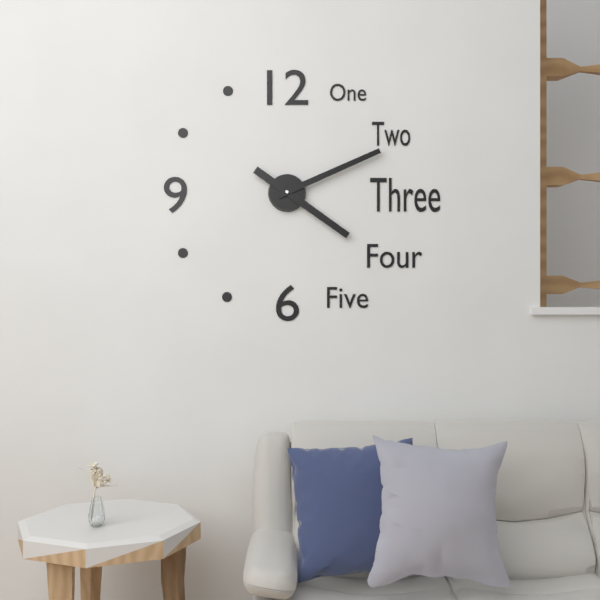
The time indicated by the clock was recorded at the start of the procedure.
4:11
